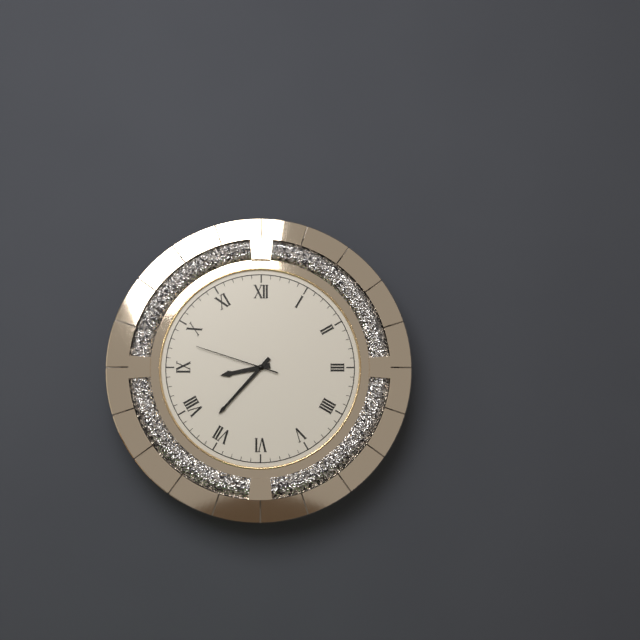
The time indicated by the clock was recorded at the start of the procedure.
8:37:48
